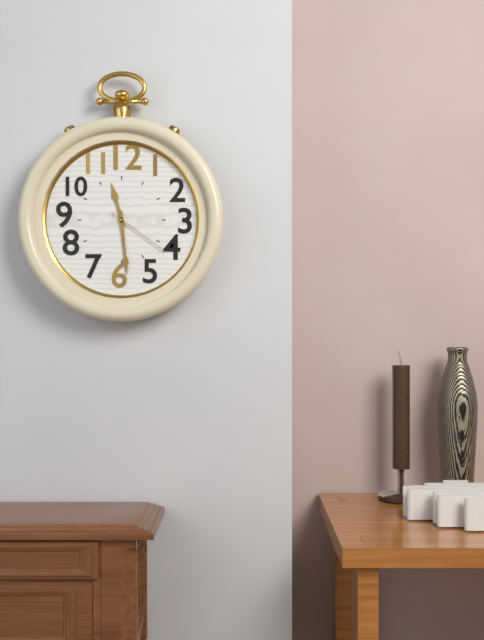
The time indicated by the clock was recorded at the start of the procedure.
11:29:21
